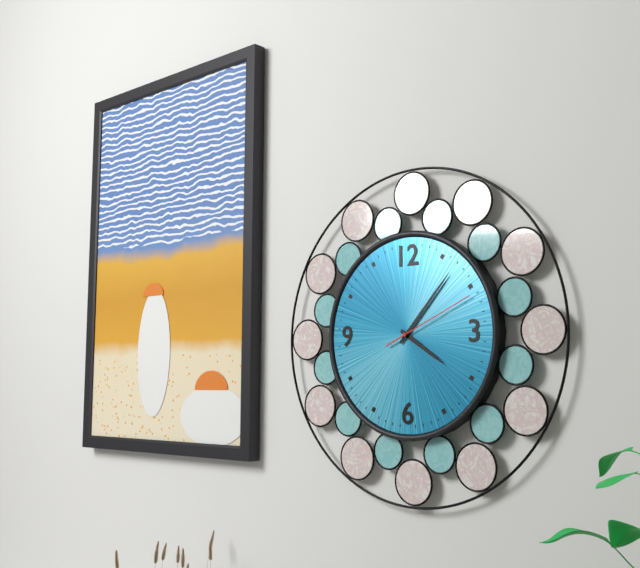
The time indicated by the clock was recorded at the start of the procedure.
4:07:11
